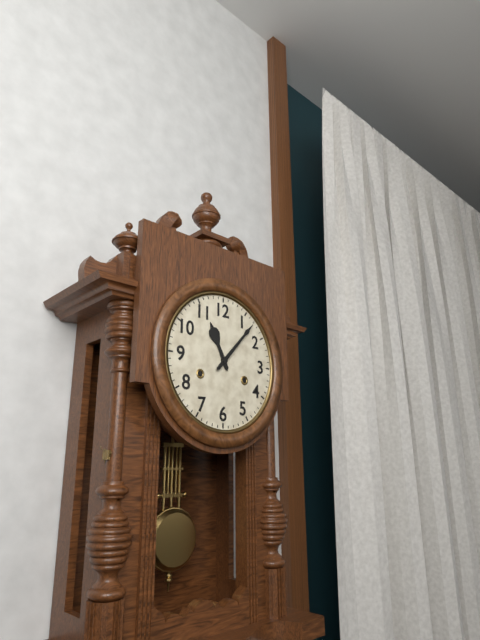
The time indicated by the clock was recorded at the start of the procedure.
11:07
